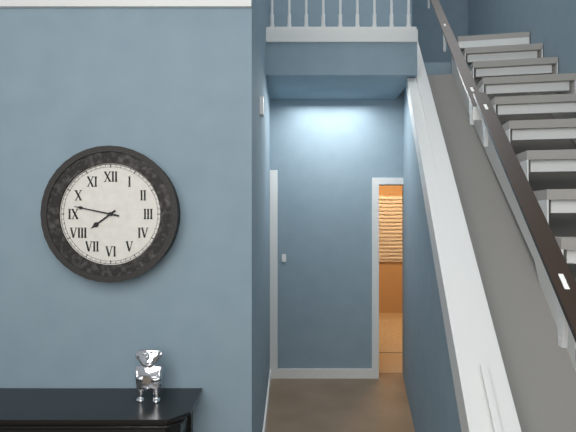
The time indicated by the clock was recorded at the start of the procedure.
7:47
